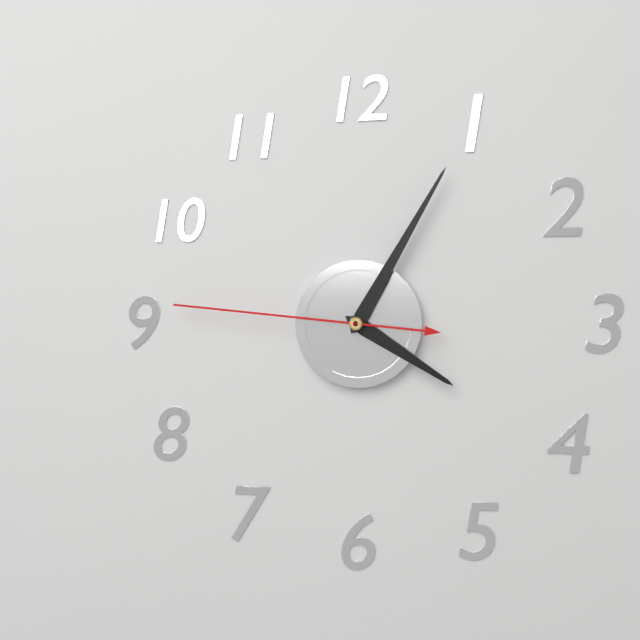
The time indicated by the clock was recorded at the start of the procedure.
4:05:46
